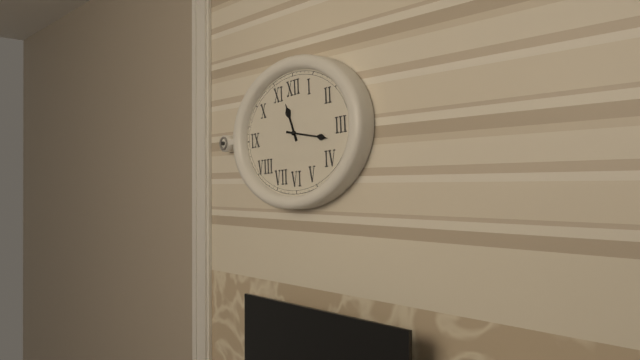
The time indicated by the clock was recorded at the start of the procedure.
11:17
